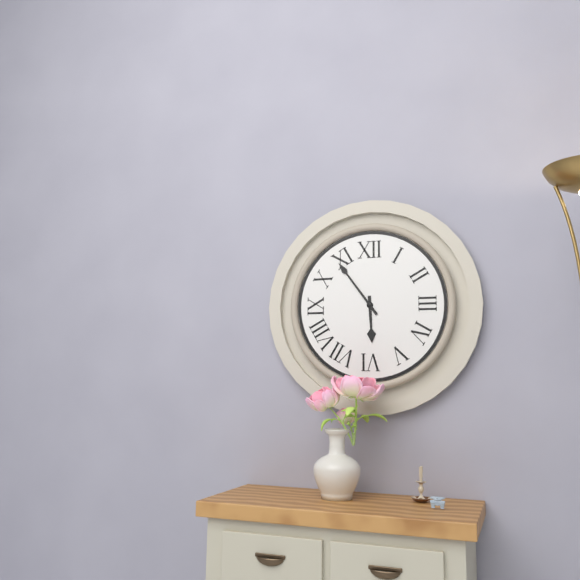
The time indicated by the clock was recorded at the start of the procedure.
5:54
